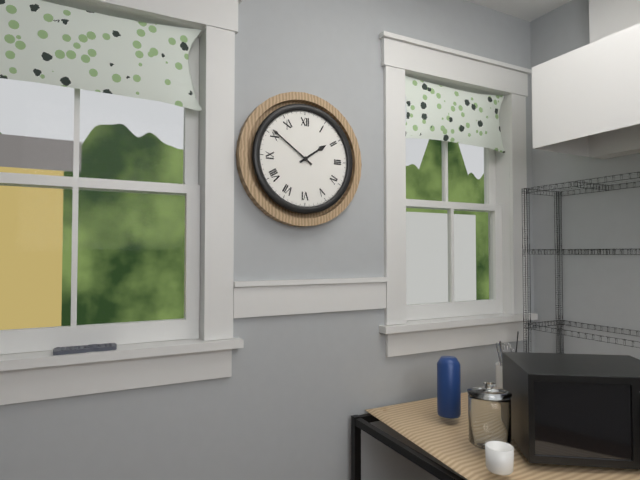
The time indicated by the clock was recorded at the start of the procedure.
1:51
